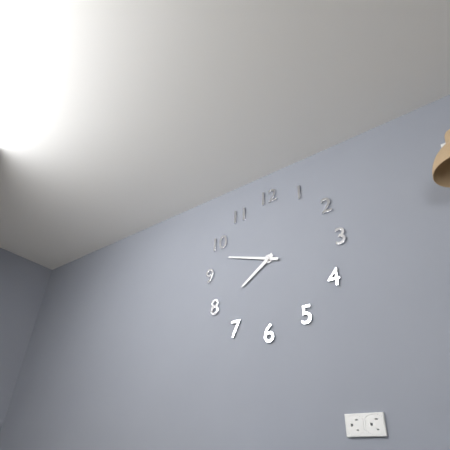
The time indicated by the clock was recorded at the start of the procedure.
7:48
